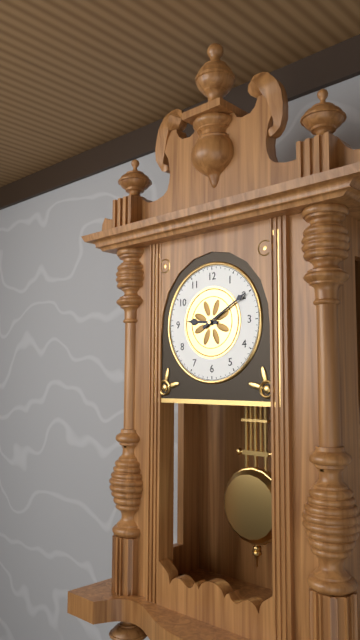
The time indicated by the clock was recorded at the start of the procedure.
9:10
